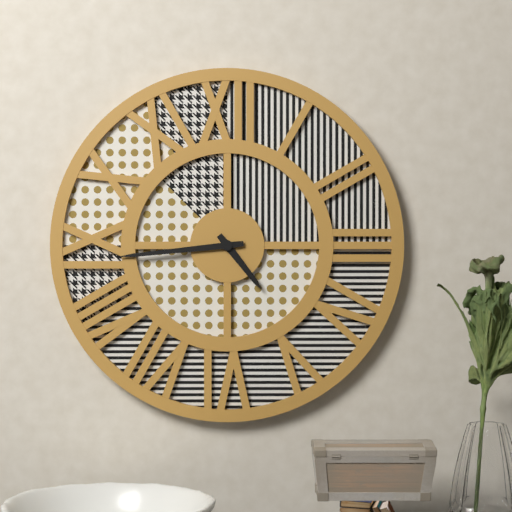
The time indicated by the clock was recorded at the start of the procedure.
4:44
